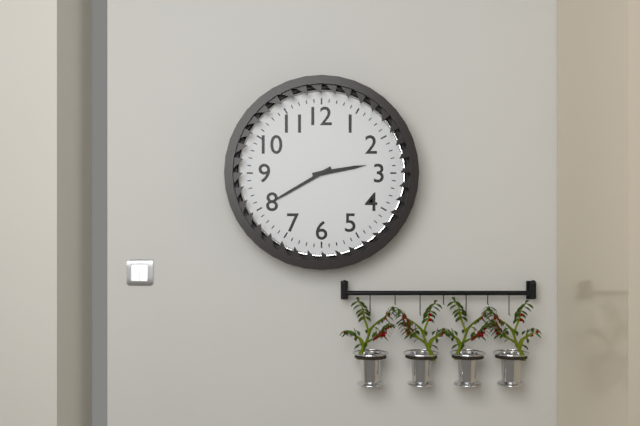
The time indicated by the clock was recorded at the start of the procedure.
2:40
